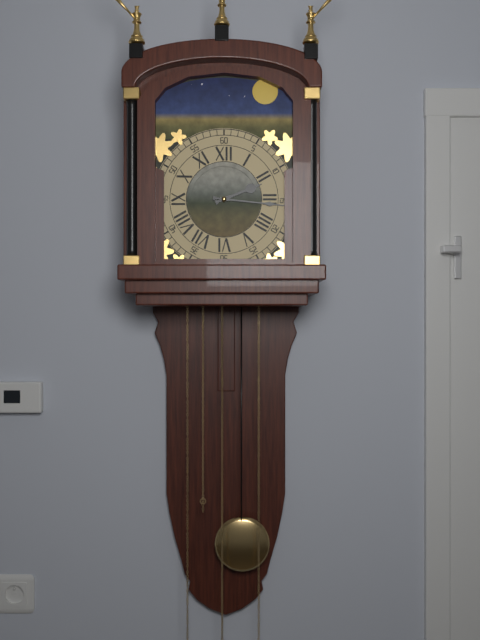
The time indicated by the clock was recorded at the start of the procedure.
2:16
